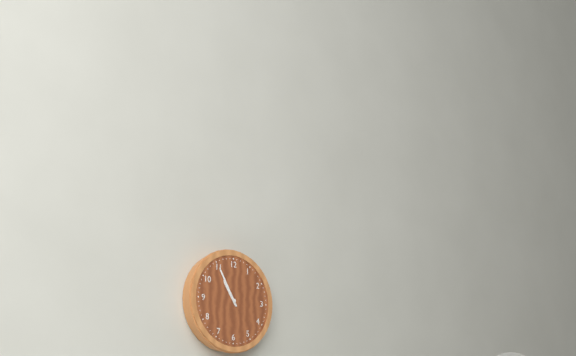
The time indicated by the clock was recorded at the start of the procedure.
10:55
